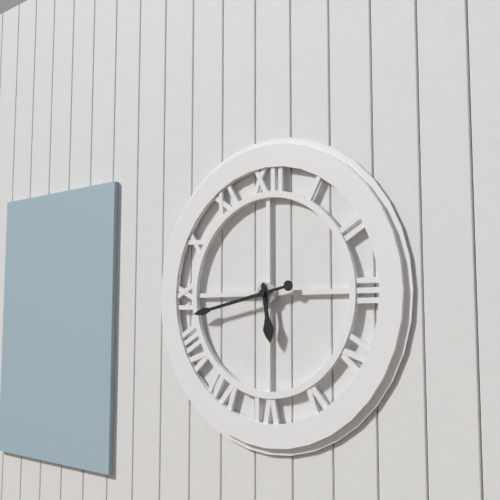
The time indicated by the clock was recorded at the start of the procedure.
5:43
